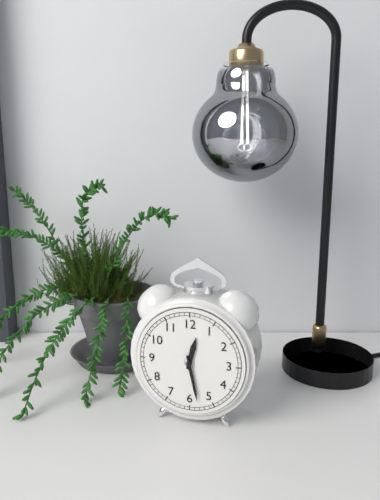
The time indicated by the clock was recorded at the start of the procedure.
12:28
